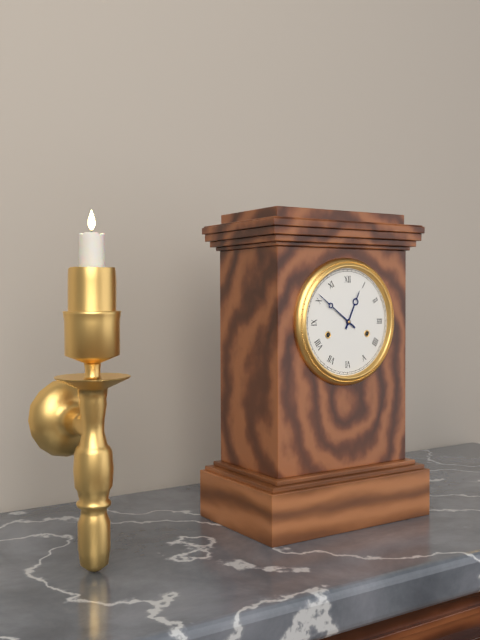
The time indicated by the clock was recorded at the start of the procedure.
12:51
